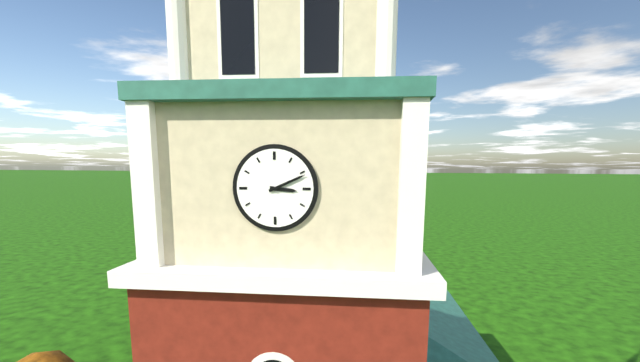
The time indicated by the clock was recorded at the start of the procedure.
3:11
